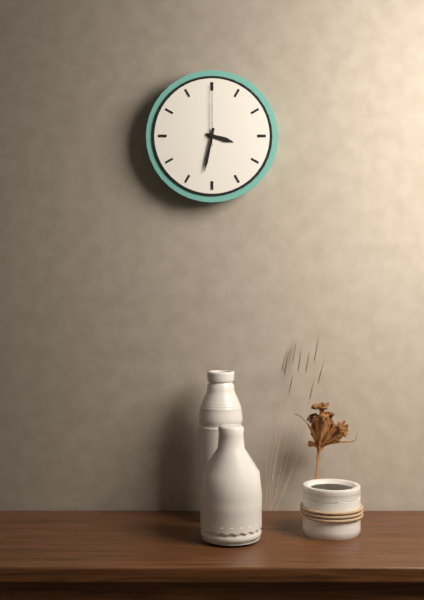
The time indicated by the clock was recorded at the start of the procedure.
3:32:00
